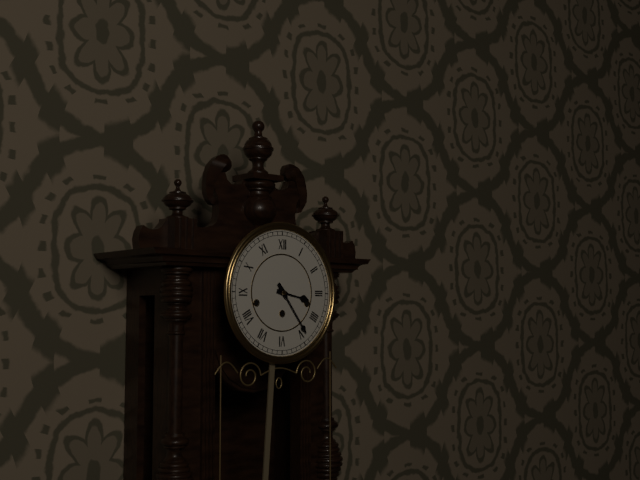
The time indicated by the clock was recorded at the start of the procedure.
3:24
